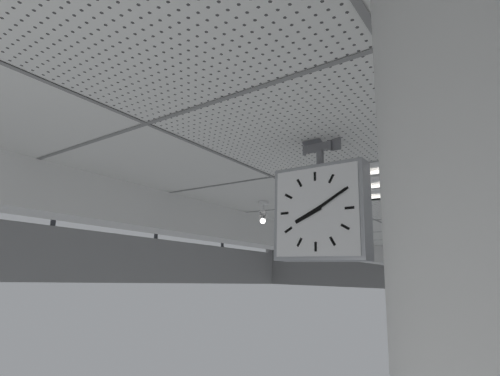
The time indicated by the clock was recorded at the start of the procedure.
8:10
